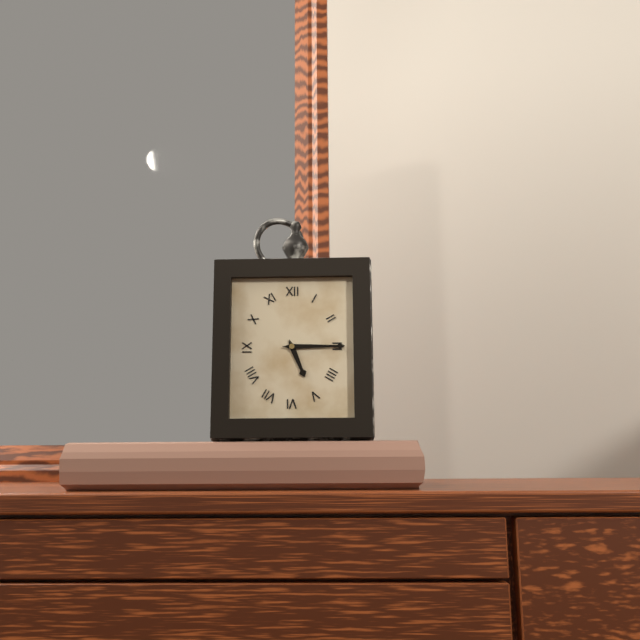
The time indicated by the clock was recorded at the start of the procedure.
5:15
